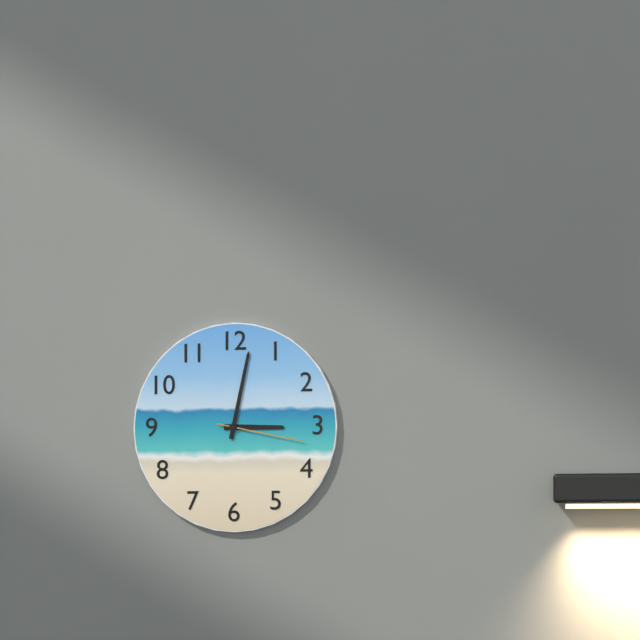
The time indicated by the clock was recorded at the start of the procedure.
3:02:17
